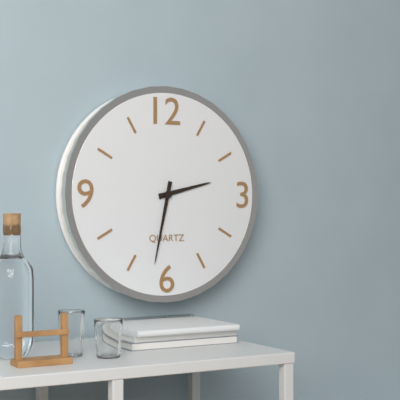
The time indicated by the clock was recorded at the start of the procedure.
2:32
